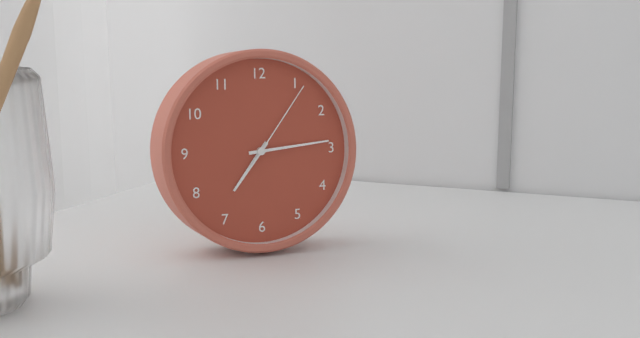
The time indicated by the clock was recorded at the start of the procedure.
7:14:06
